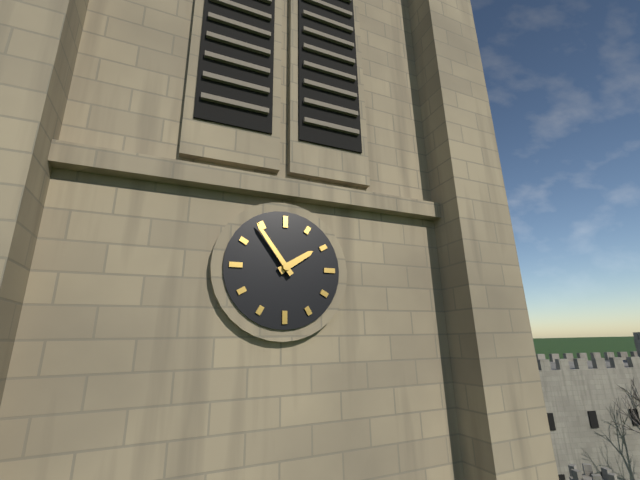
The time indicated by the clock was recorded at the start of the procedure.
1:54
